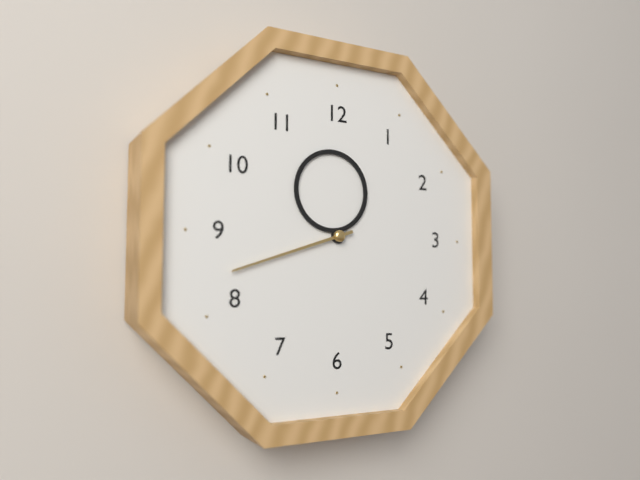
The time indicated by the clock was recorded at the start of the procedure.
11:42
